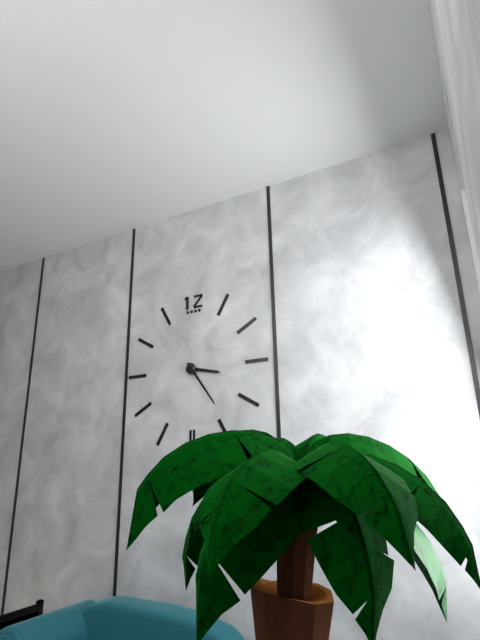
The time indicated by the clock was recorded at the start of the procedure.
3:24
